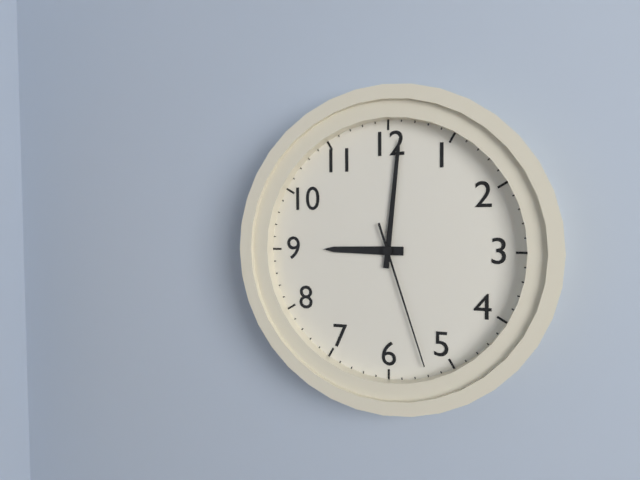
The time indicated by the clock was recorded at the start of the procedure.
9:01:27
